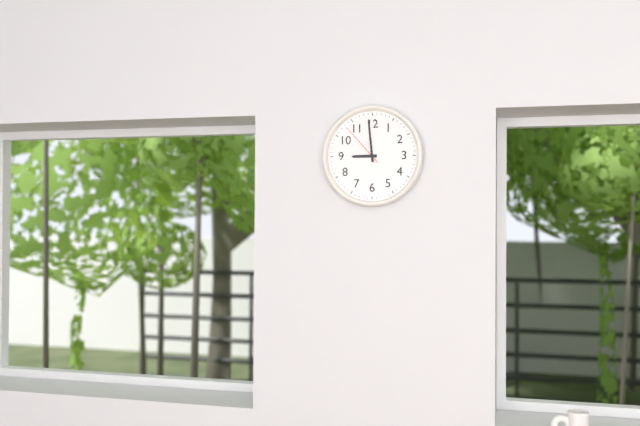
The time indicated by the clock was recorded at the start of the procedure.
8:59
